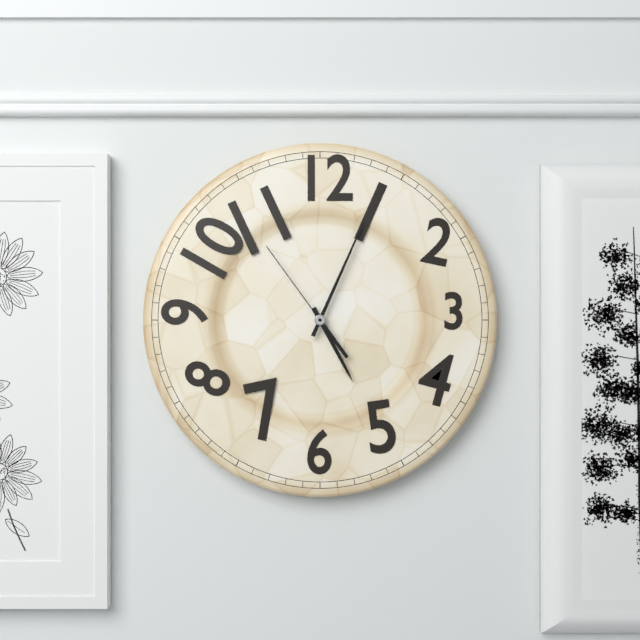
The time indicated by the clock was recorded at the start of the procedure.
5:04:54
